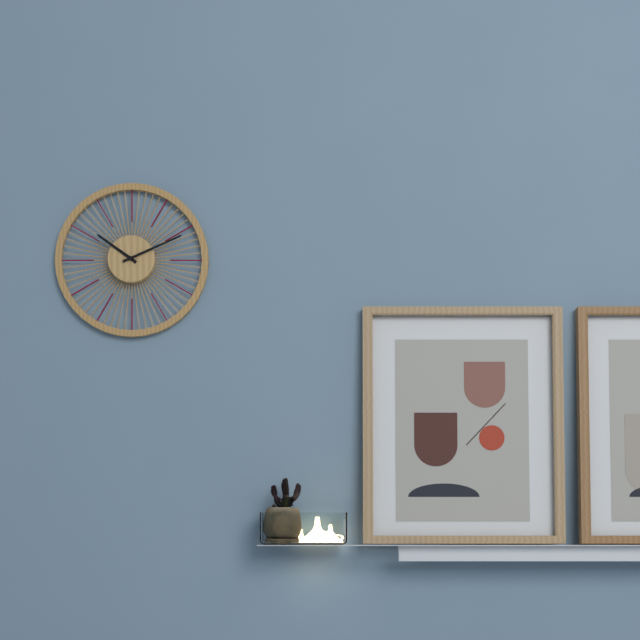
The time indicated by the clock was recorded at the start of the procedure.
10:11
